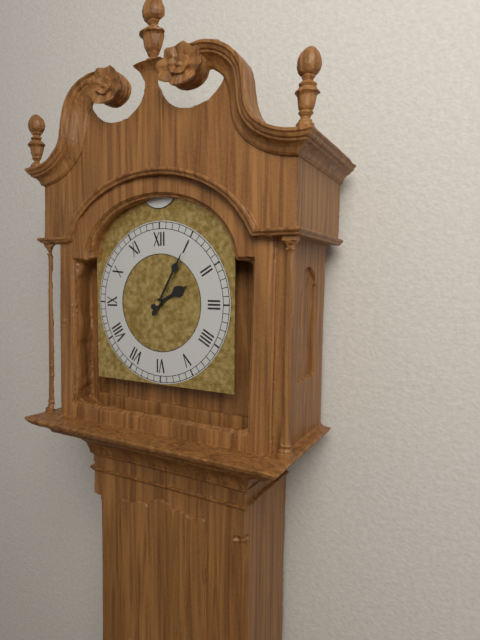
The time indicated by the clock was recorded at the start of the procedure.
2:05
